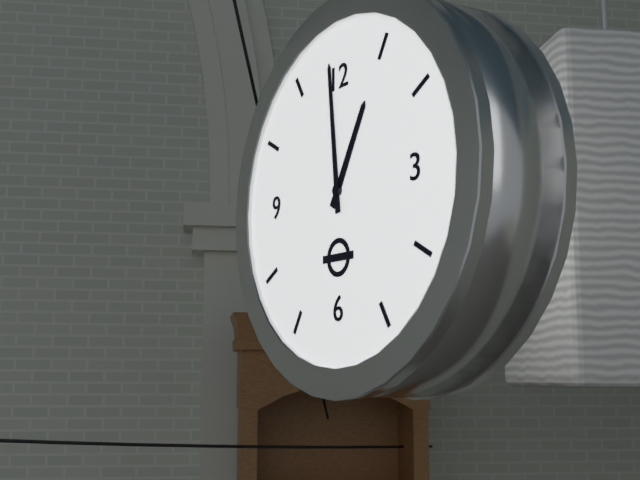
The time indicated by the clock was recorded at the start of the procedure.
12:59
